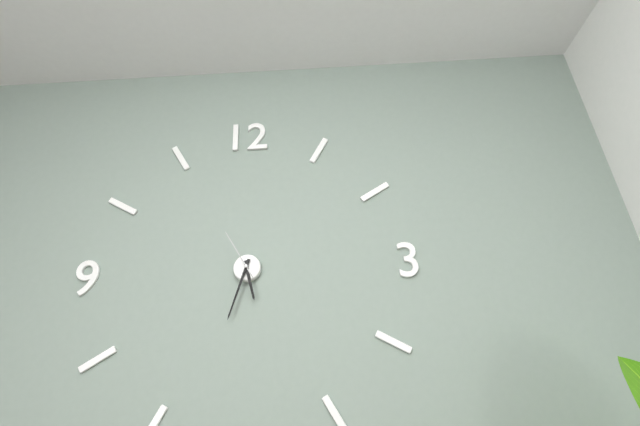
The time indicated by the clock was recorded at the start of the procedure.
5:33:55
